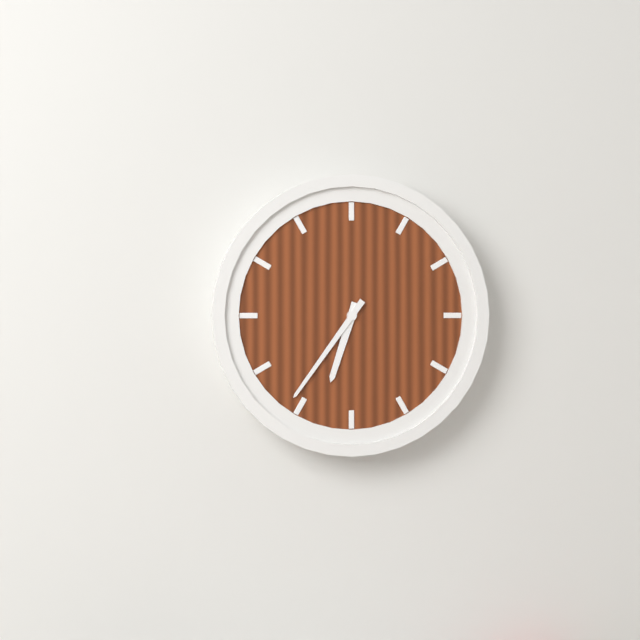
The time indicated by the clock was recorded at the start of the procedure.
6:36
